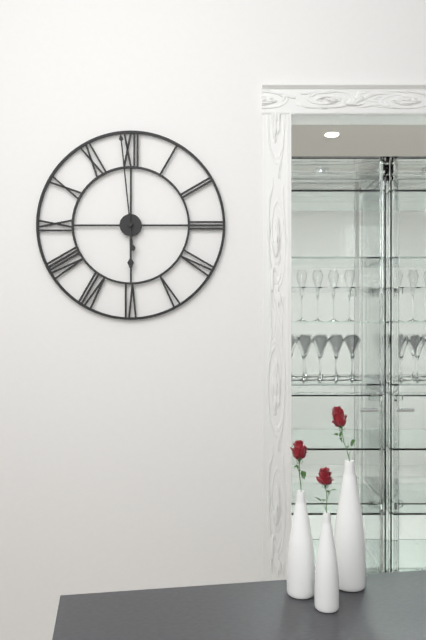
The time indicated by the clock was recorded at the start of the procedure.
5:59
